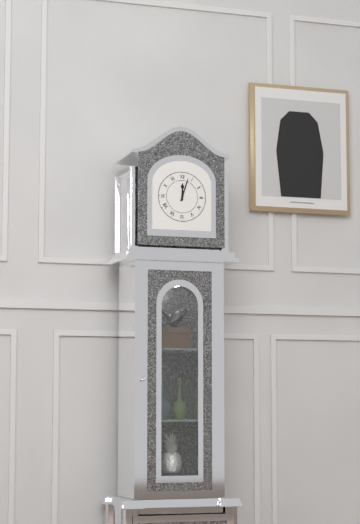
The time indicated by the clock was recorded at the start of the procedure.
12:03
